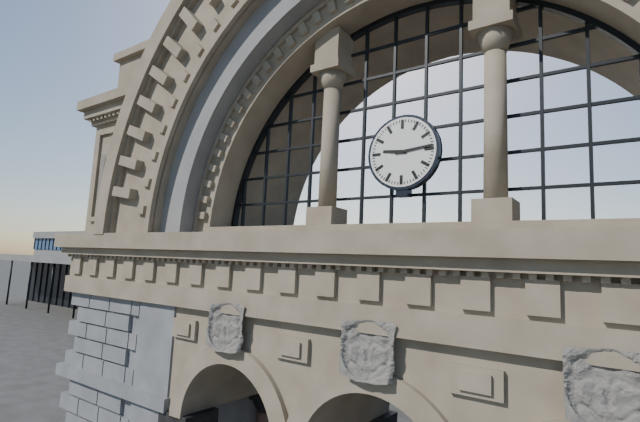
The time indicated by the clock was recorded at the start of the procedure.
9:14
